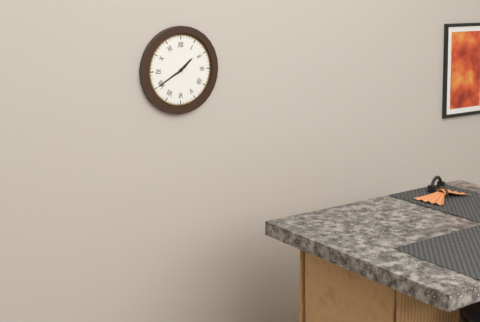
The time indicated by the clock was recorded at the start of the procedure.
1:40
